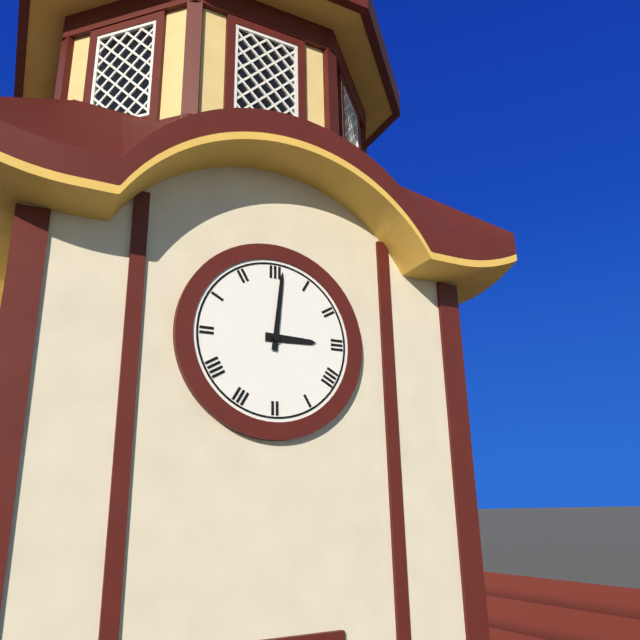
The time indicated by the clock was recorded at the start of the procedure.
3:01
